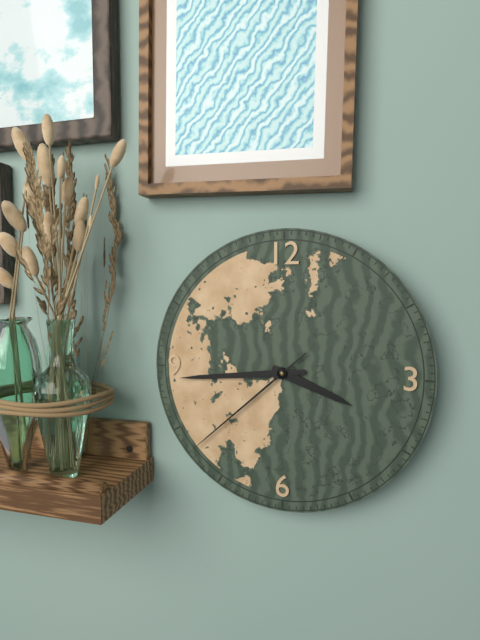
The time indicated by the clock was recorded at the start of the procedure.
3:44:38
